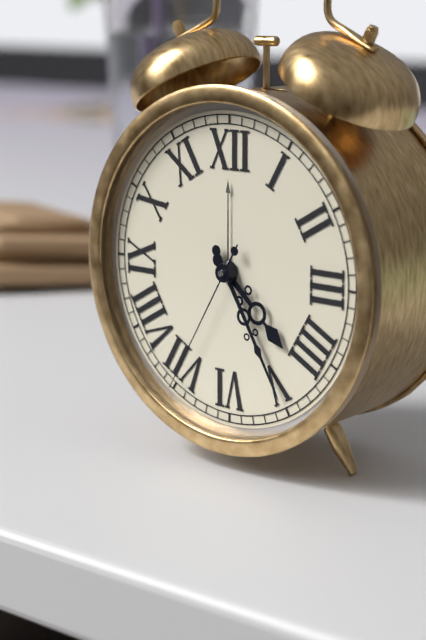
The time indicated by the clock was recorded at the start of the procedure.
4:25:35
